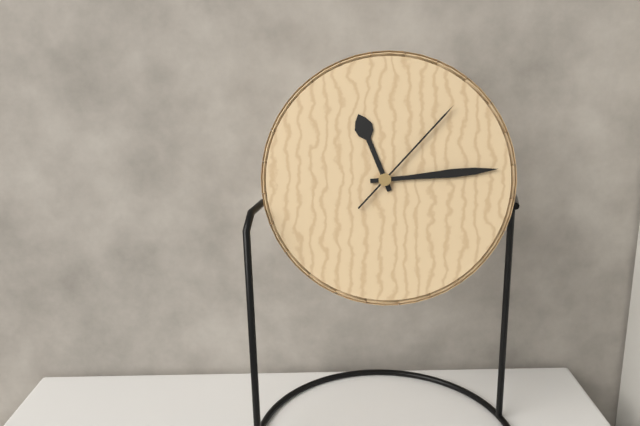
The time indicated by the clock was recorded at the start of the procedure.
11:14:07
